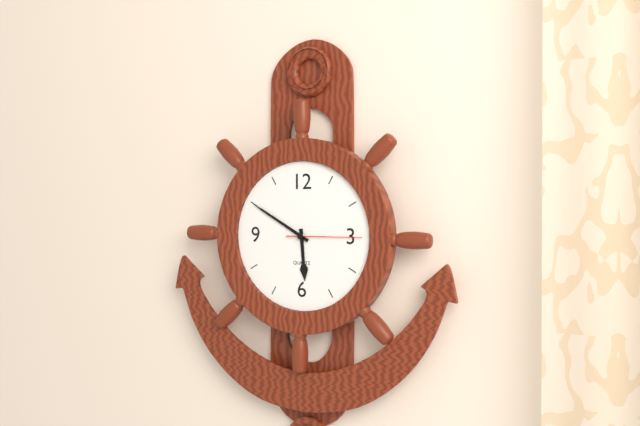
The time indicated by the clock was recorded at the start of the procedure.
5:50:15
